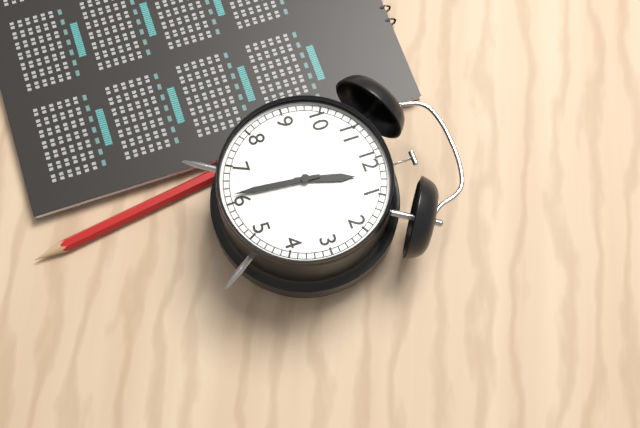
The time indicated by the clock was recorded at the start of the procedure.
12:31
